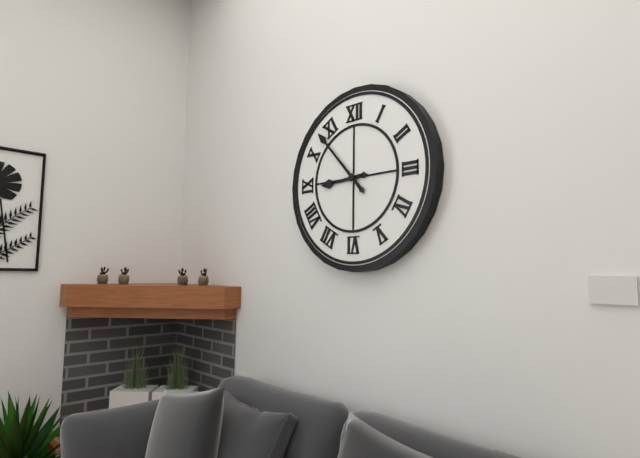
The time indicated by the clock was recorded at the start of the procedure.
8:53
